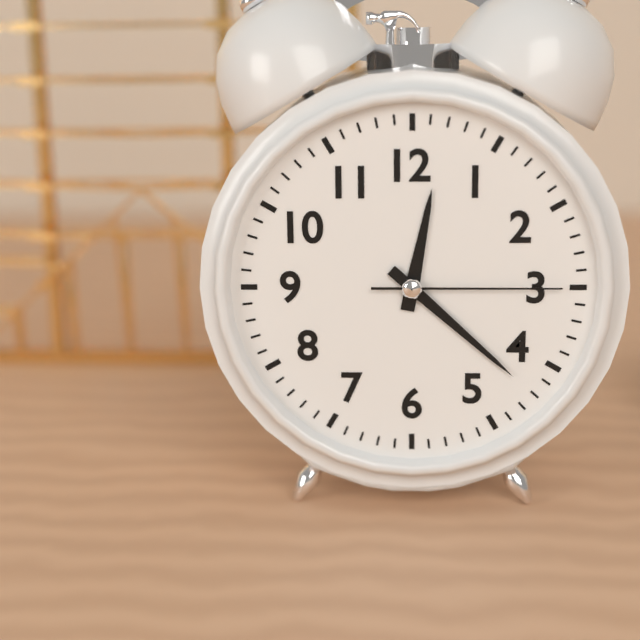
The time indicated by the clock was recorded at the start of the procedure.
12:22:15
